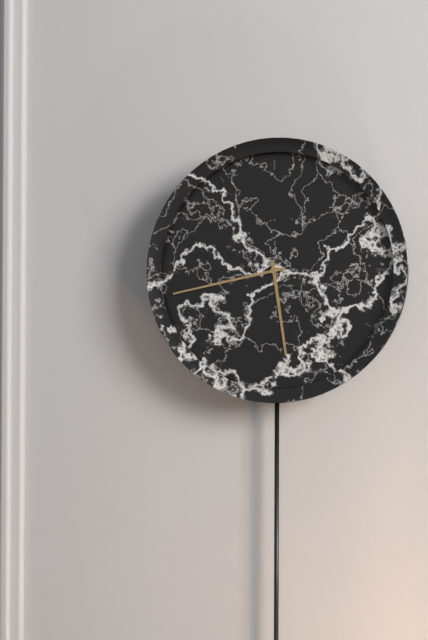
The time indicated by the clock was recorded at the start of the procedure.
5:43
